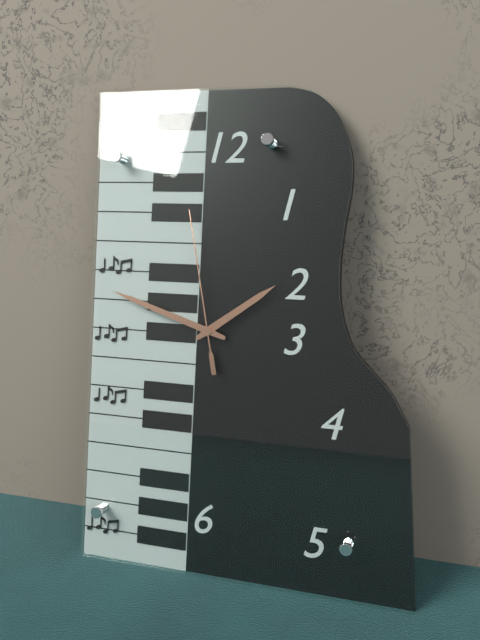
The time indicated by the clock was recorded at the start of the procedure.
1:48:58
